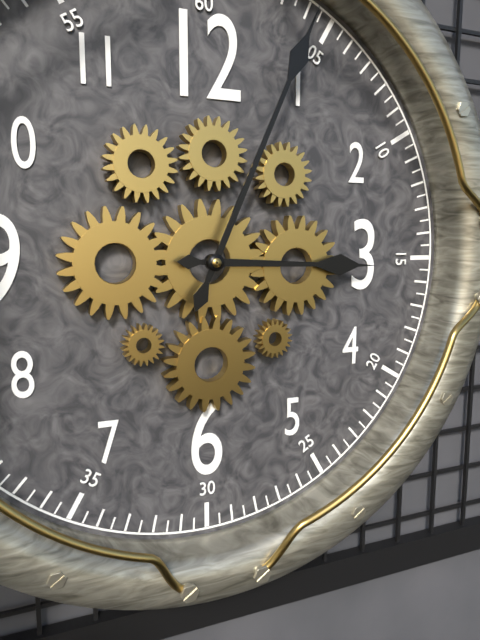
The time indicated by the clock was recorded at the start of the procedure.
3:04
